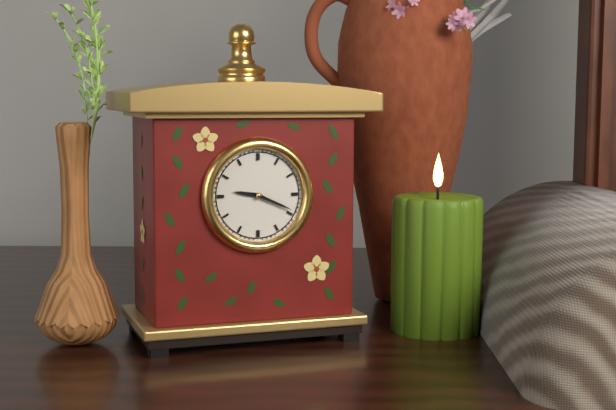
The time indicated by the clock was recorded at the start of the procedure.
9:19
